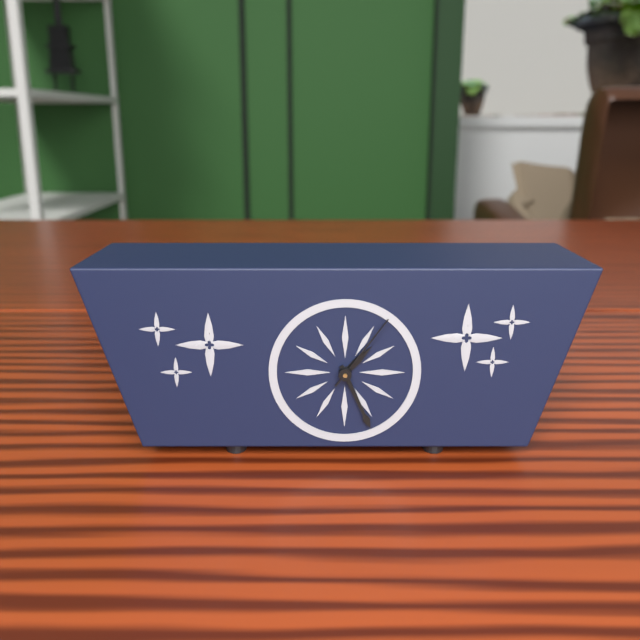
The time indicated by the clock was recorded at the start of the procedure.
1:26:06
